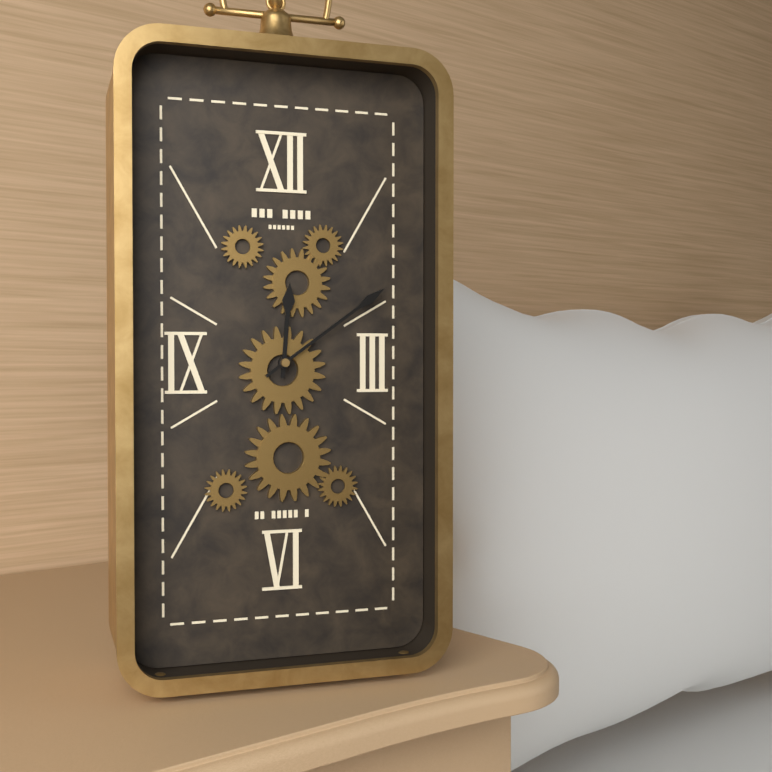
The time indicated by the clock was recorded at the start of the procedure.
12:09
